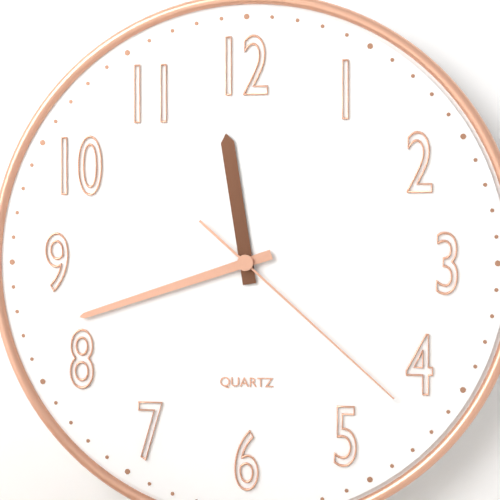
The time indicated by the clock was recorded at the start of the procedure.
11:42:22
